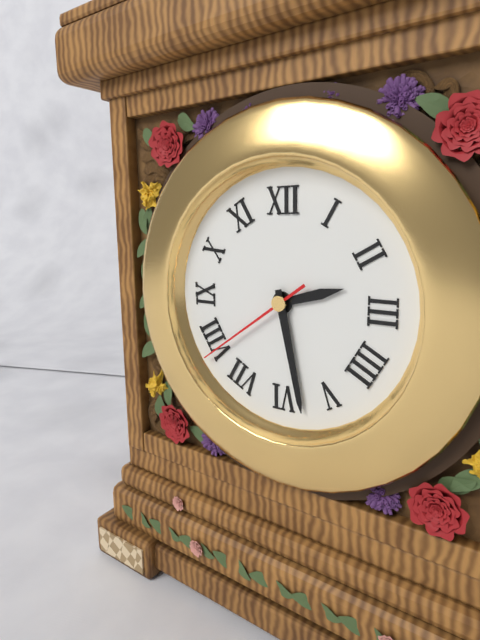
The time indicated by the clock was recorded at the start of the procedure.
2:28:39
